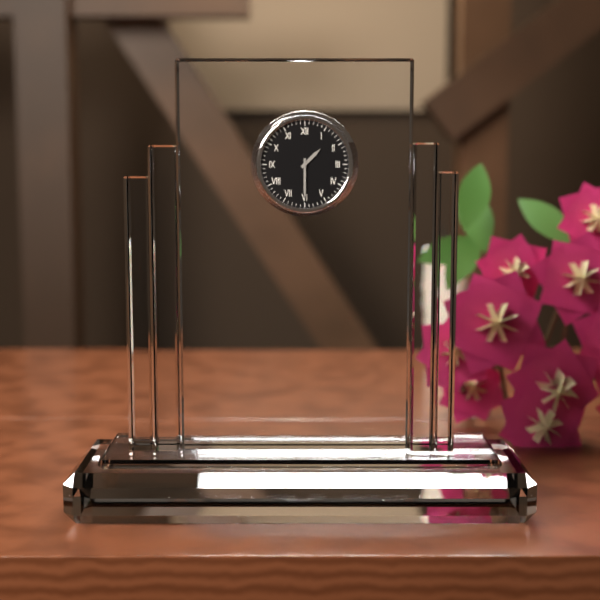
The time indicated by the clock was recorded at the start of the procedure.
1:30
